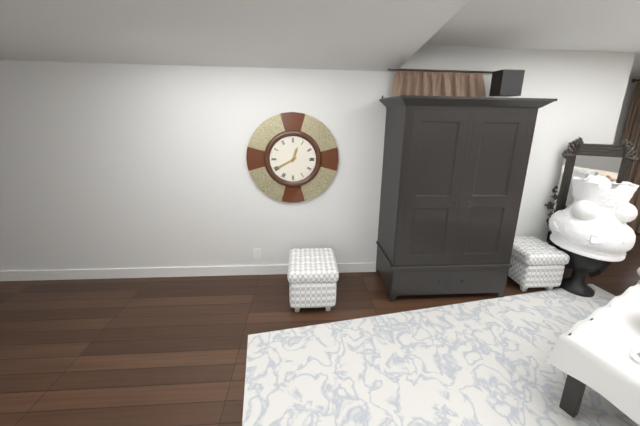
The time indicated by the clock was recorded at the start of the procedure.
12:40
